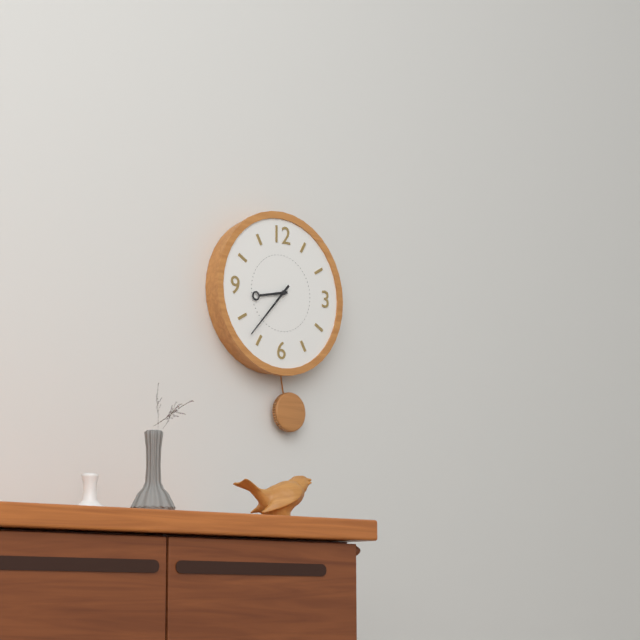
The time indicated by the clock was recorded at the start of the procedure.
8:37
